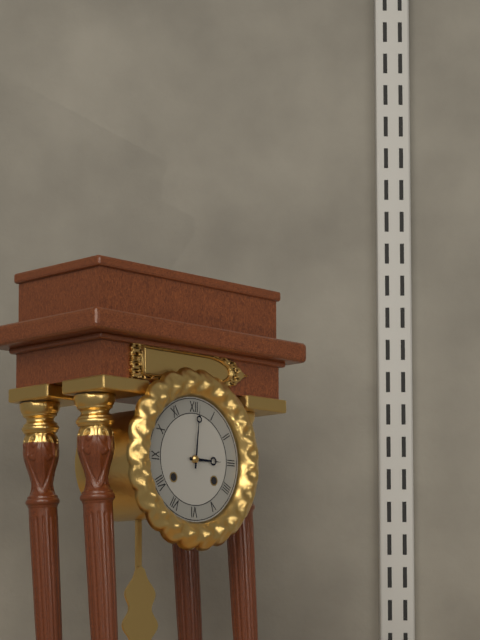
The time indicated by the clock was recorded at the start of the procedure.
3:01
